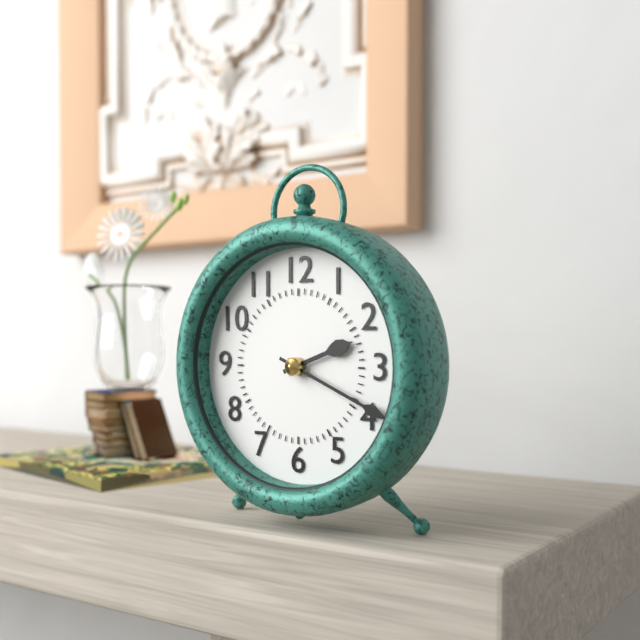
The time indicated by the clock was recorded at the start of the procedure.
2:19
